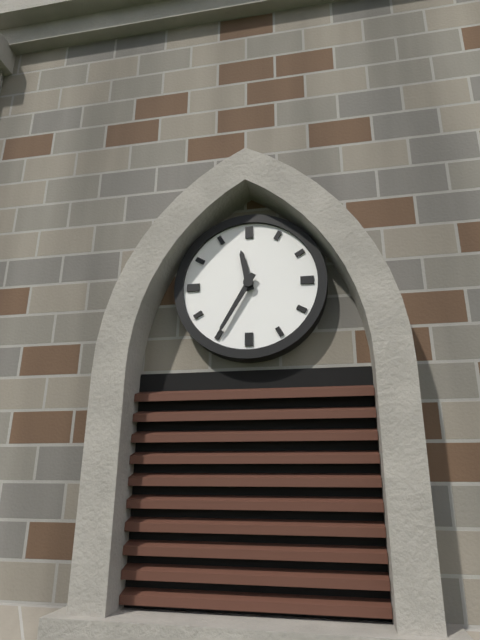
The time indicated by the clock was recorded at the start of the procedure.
11:35
